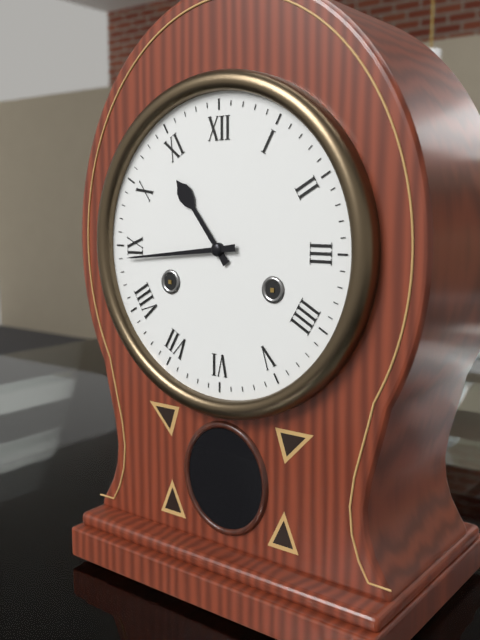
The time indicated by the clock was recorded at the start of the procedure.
10:44
